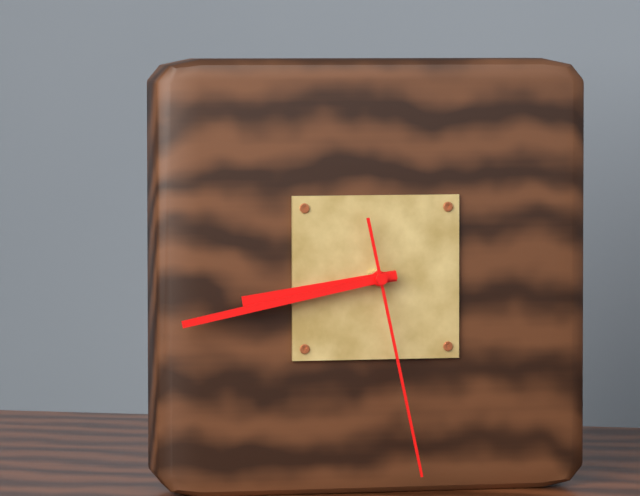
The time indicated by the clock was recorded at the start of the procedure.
8:43:28
